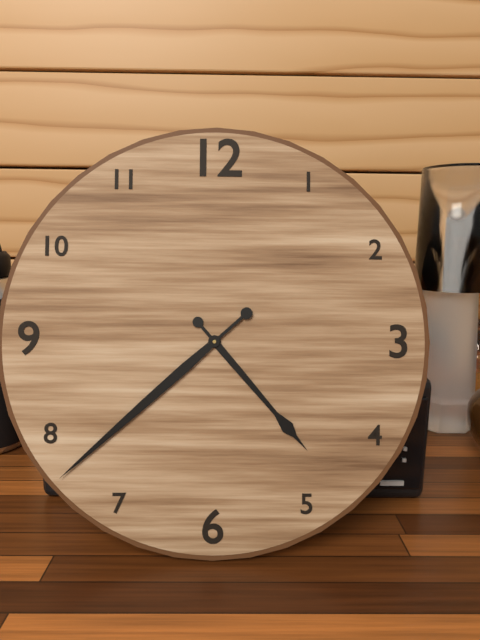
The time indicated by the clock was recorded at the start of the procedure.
4:38
